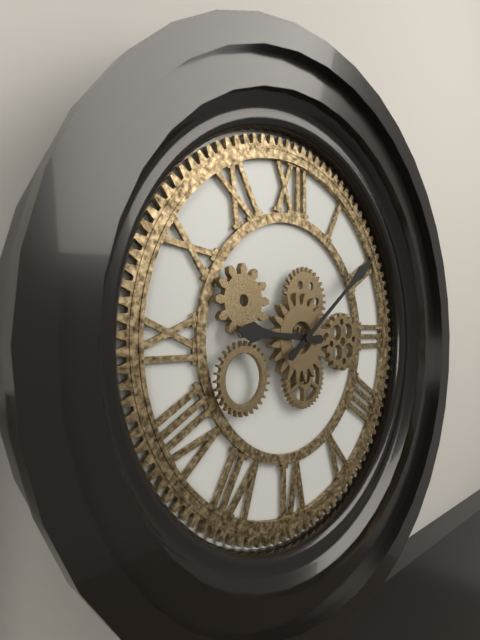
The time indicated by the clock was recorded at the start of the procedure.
9:09
